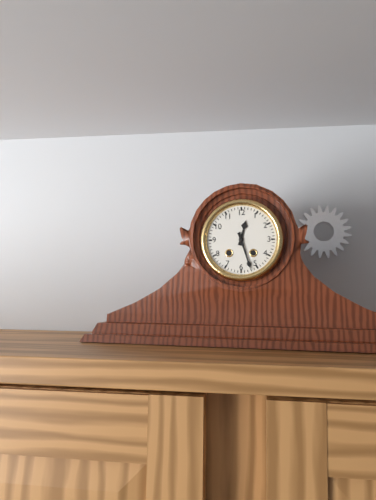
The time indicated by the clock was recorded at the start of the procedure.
12:27
